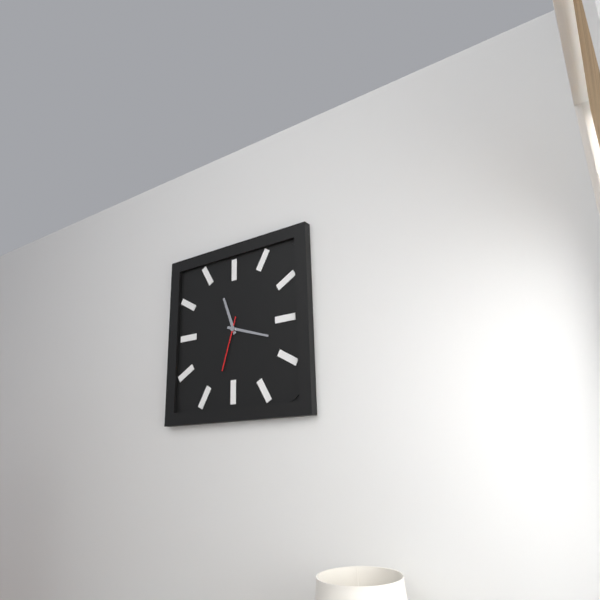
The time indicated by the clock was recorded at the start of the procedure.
11:18:33
